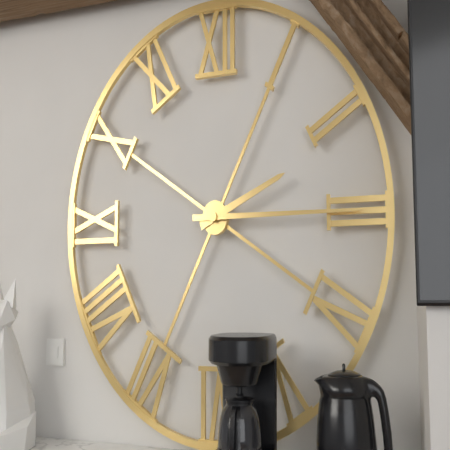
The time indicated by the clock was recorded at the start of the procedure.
2:15
